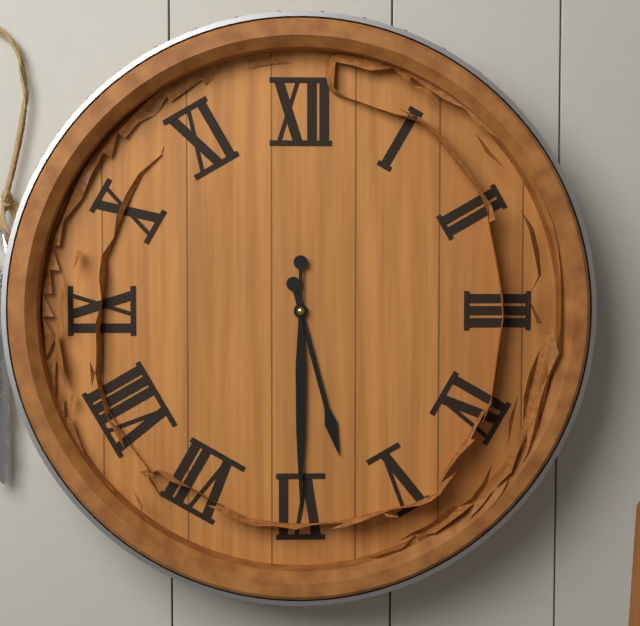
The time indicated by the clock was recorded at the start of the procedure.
5:30
